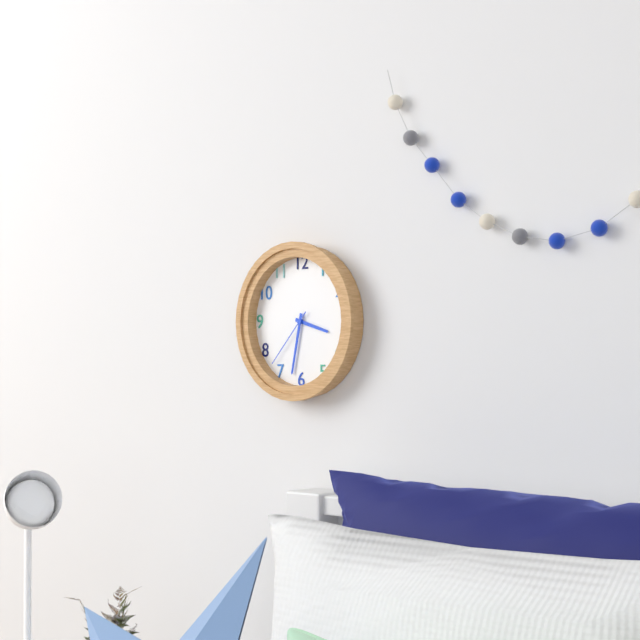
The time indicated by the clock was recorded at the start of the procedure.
3:32:37
